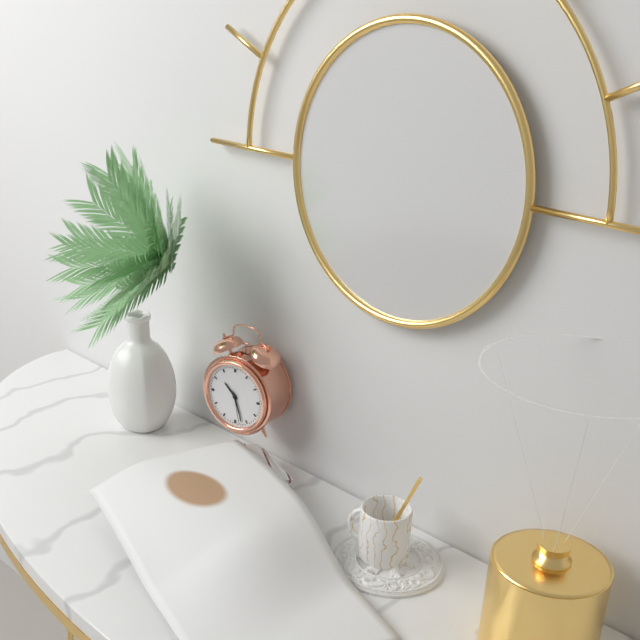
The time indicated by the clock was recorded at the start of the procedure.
10:27
